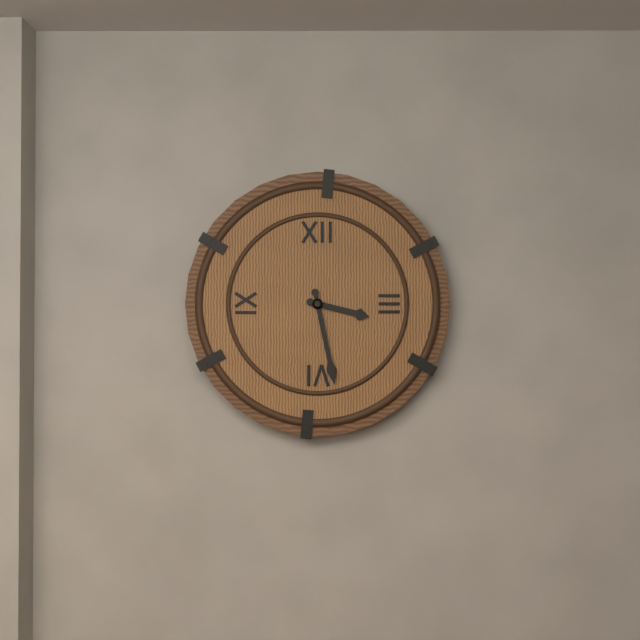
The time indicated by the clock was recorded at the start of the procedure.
3:28
